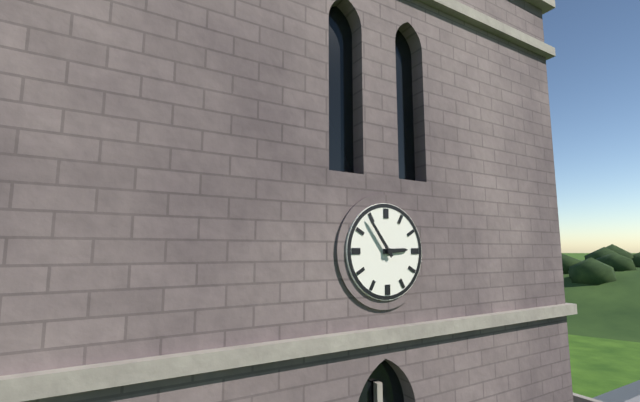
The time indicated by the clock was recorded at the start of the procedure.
2:54
